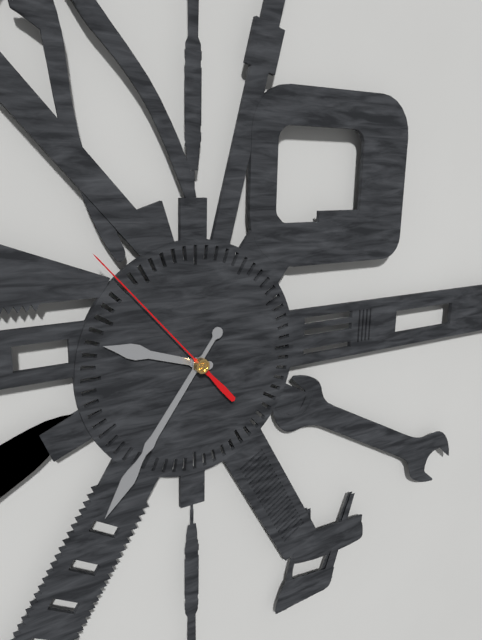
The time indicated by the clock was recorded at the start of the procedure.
9:36:53
